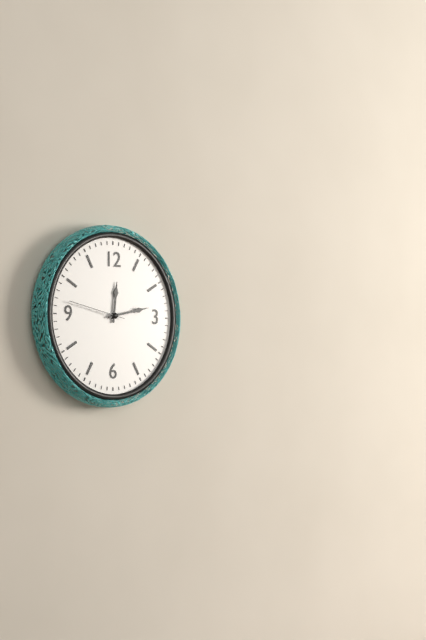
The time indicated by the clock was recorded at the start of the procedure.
12:13
